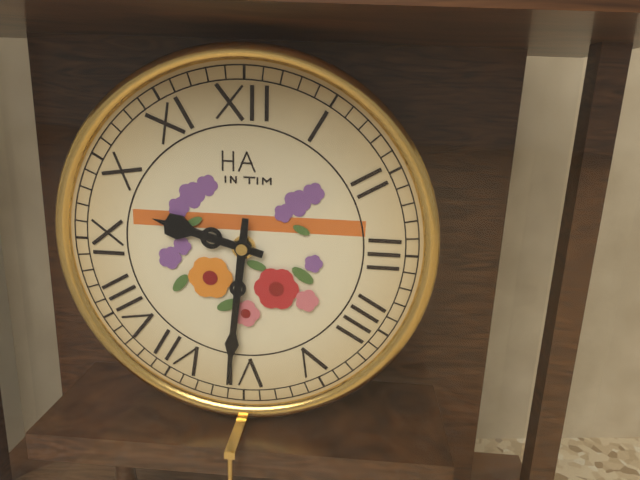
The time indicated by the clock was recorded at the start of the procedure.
9:31
